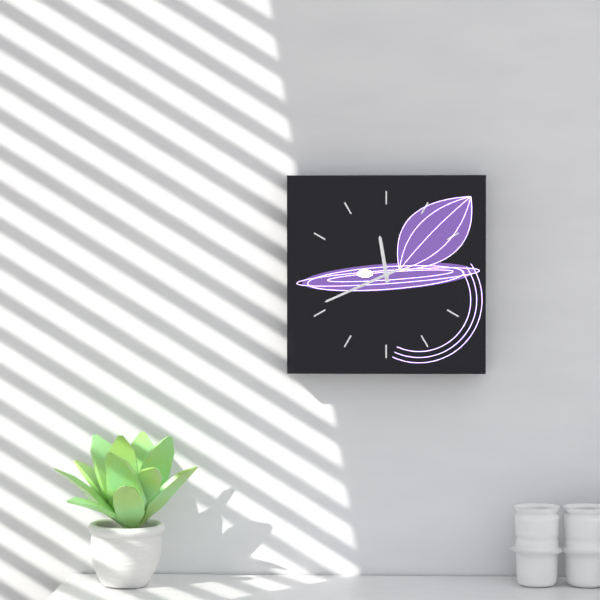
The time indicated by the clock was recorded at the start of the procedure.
11:41
